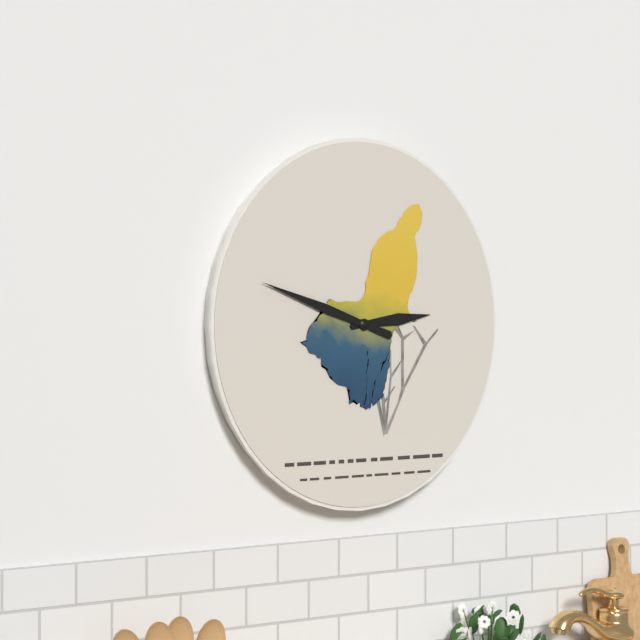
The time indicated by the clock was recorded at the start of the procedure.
2:48
